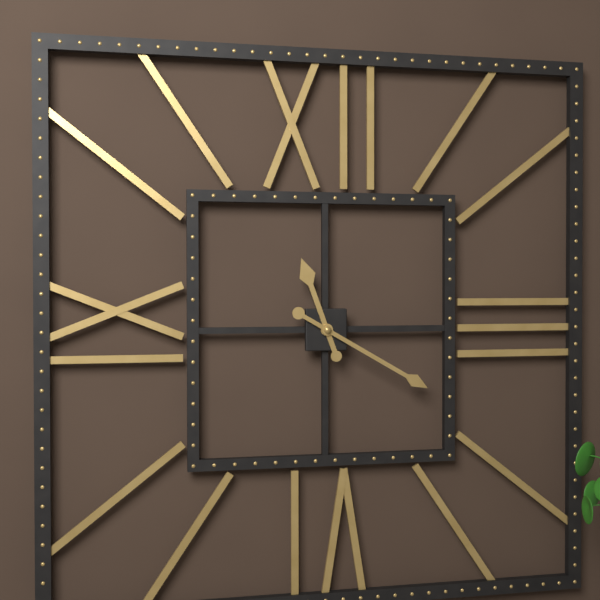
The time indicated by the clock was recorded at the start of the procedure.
11:20
